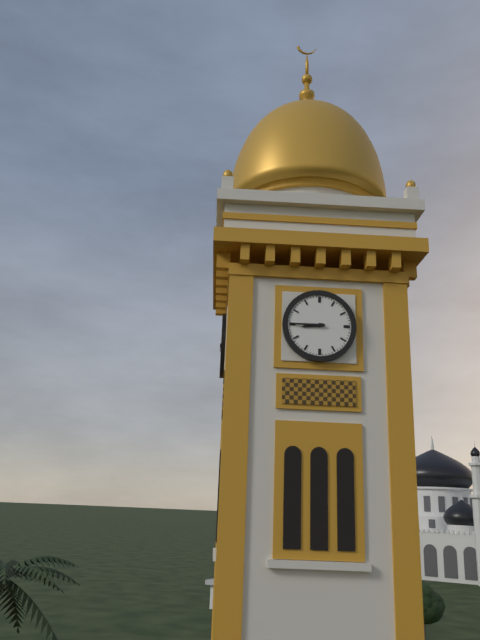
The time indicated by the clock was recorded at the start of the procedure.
8:45
